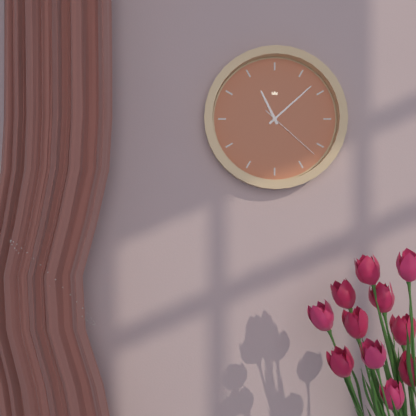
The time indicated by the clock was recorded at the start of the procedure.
11:08:22
